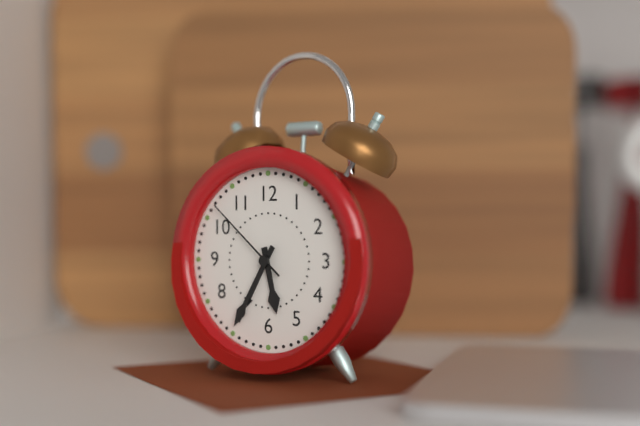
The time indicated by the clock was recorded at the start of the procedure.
5:35:52
